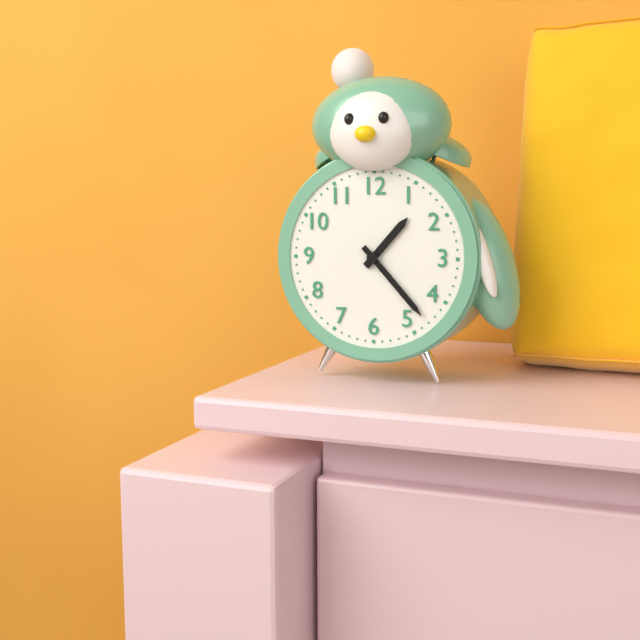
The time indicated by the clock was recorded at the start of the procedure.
1:23
